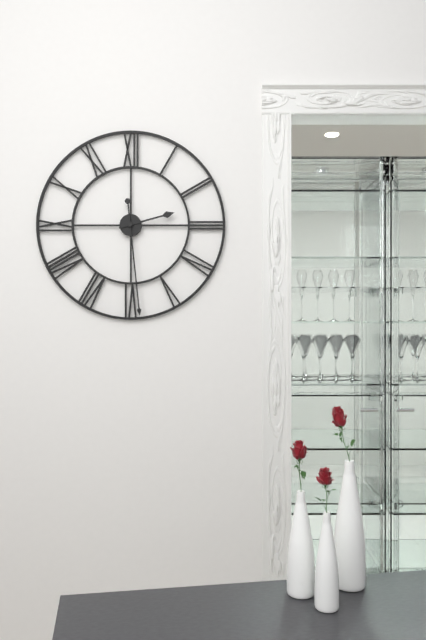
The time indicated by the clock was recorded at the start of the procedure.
2:29
